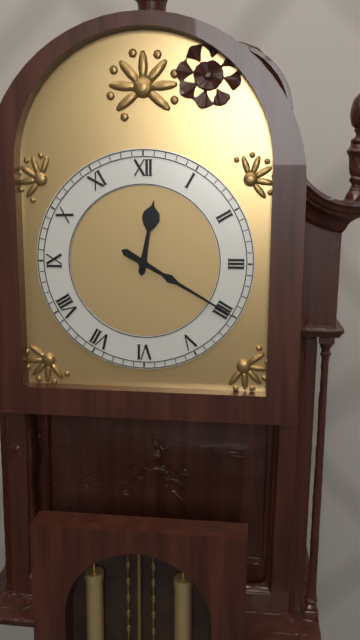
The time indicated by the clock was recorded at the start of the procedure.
12:20
